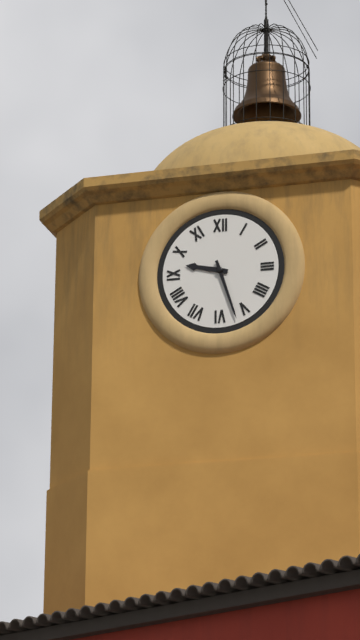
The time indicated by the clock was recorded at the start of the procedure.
9:27
